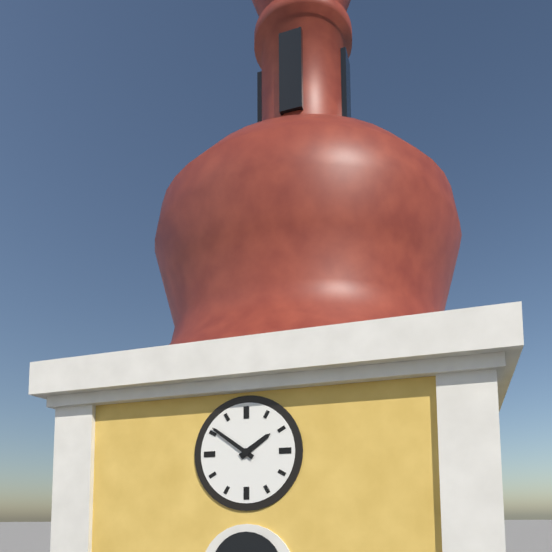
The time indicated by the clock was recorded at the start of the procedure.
1:51
